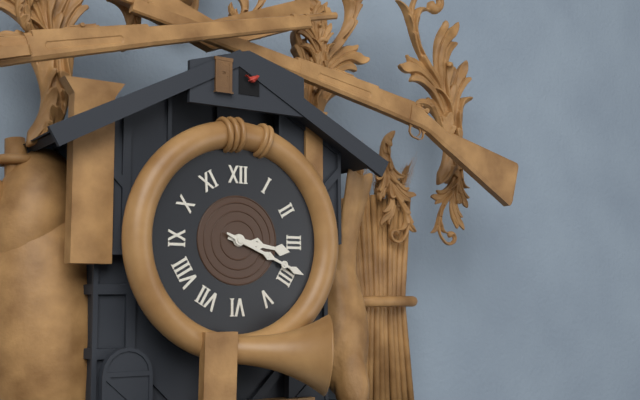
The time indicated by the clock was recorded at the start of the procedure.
3:19
